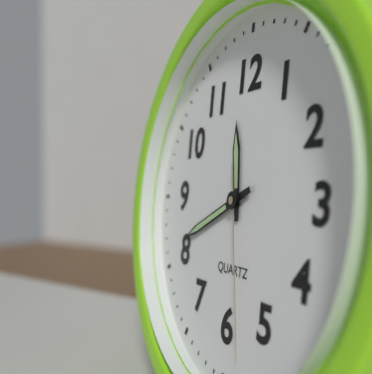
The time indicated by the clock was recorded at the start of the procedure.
11:41:28
